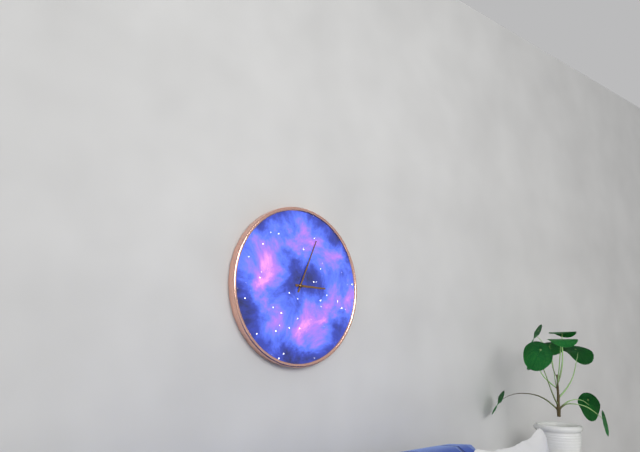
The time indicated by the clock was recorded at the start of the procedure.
3:04
